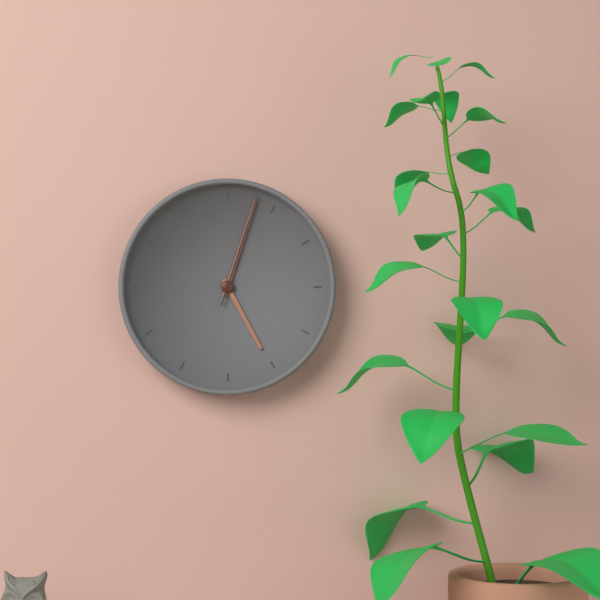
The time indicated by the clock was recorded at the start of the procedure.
5:03:03
